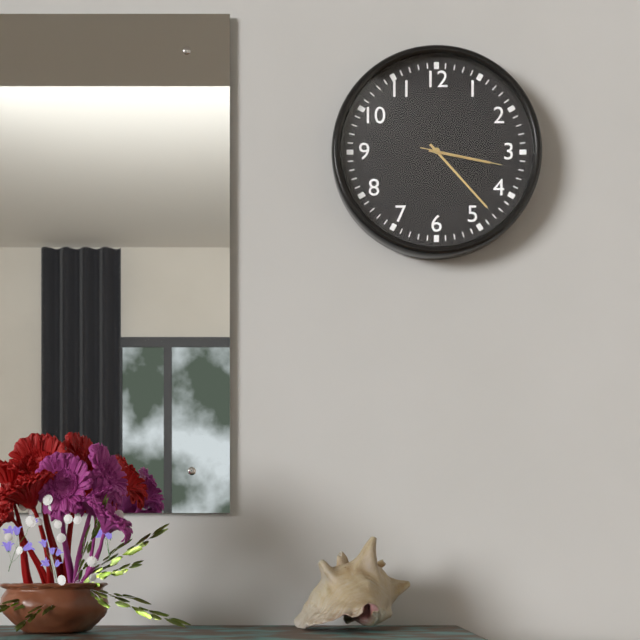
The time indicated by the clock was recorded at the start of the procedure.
3:23:17
